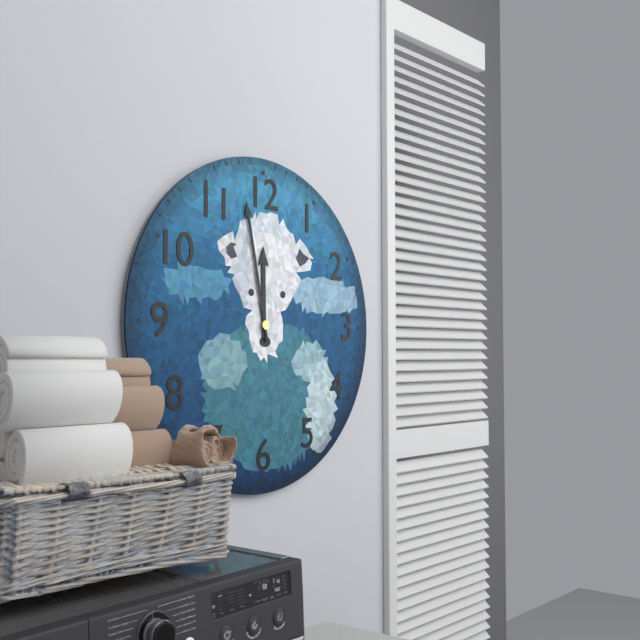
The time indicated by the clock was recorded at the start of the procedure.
11:58
